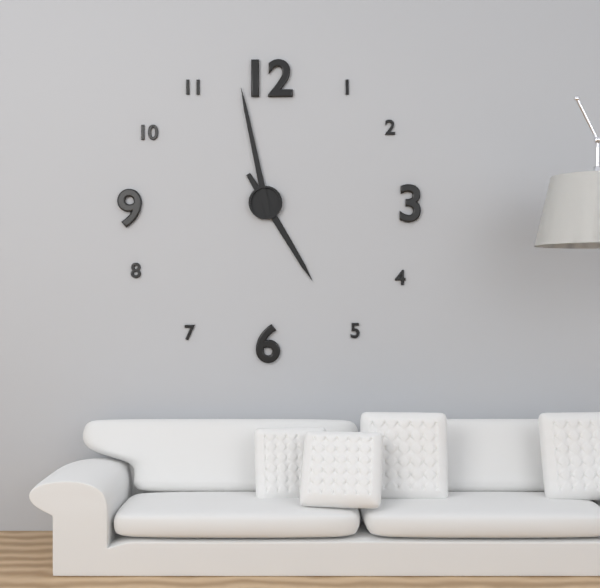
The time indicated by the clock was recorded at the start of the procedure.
4:58
